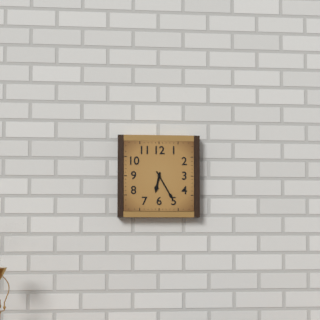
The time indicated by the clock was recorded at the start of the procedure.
6:25
